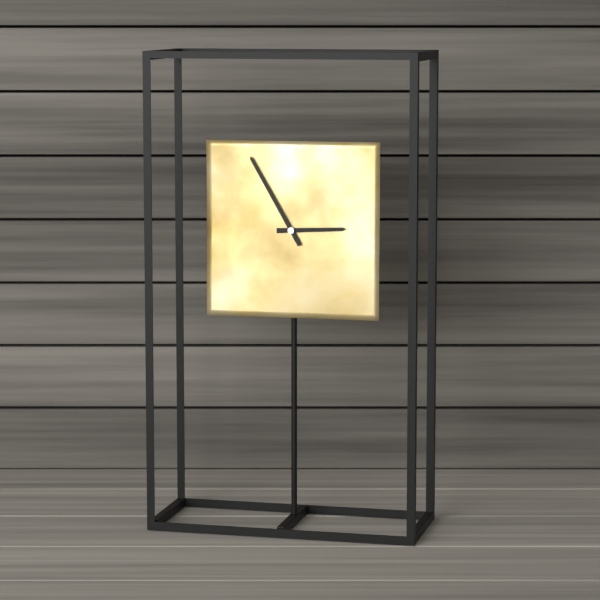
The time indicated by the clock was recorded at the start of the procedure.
2:55
